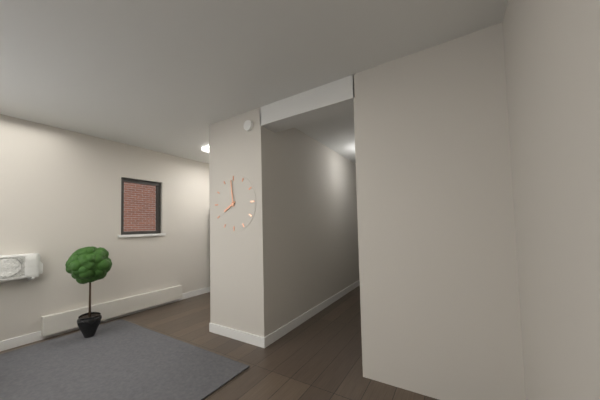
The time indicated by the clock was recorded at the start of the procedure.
7:59
